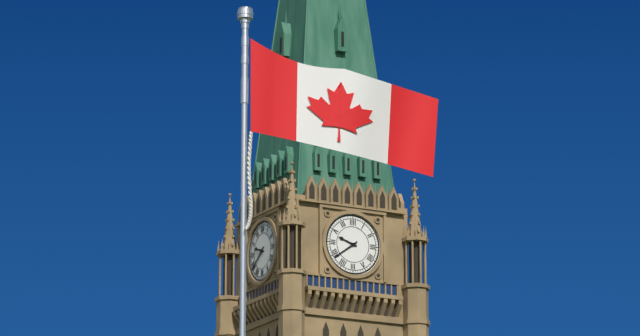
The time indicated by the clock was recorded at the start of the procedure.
9:39
